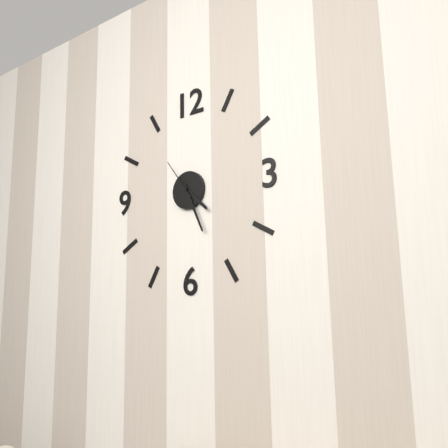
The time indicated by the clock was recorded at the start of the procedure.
4:26
